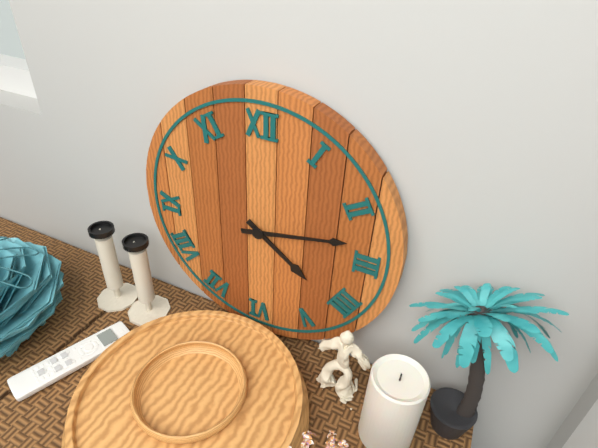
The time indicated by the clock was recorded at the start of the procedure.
4:13
